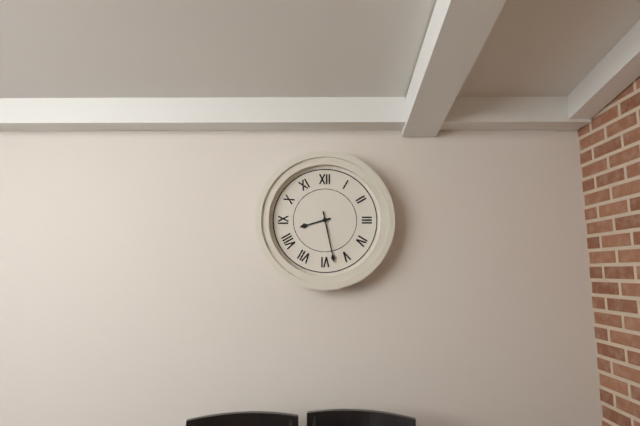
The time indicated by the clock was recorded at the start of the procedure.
8:28
